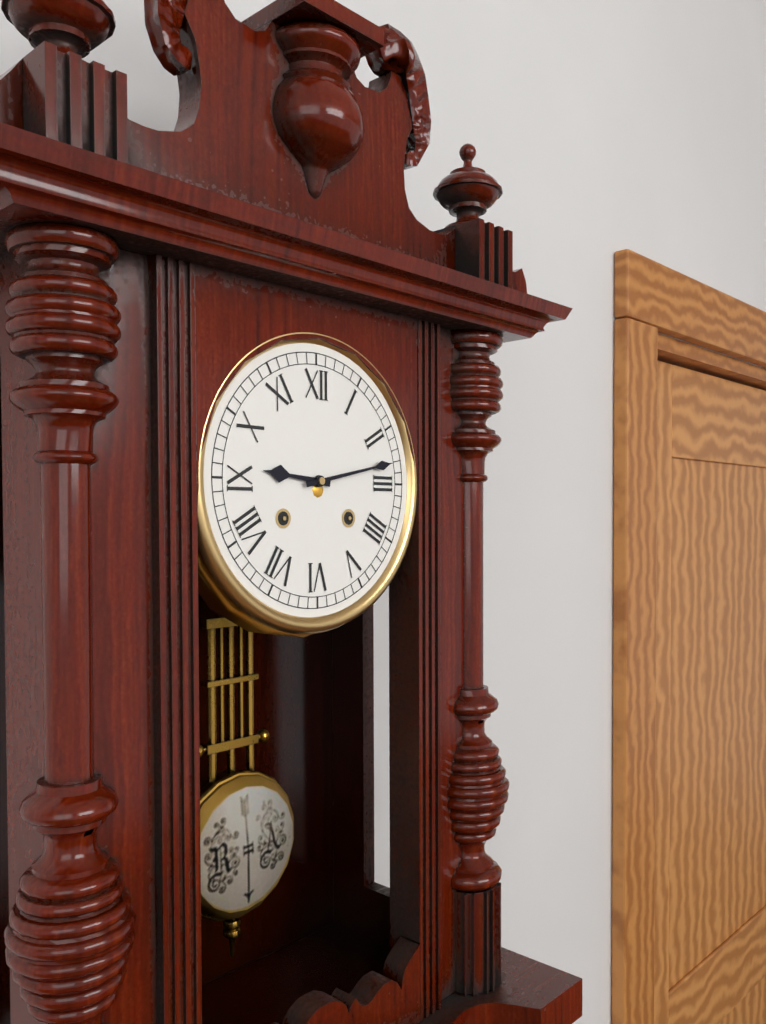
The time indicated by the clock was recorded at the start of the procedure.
9:13
